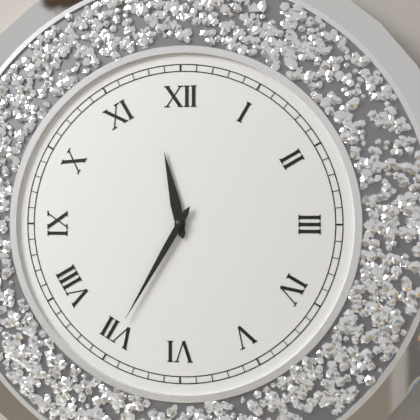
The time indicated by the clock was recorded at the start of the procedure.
11:35
